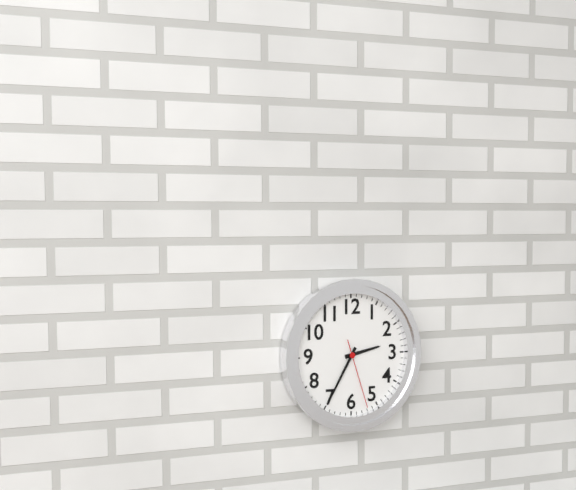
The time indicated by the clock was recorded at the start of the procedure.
2:35:27
